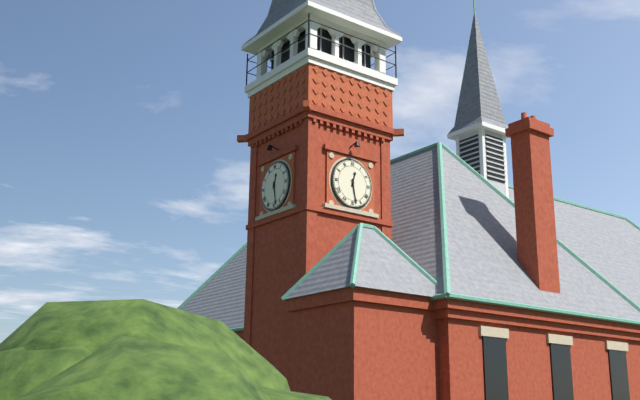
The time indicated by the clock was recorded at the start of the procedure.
12:28
